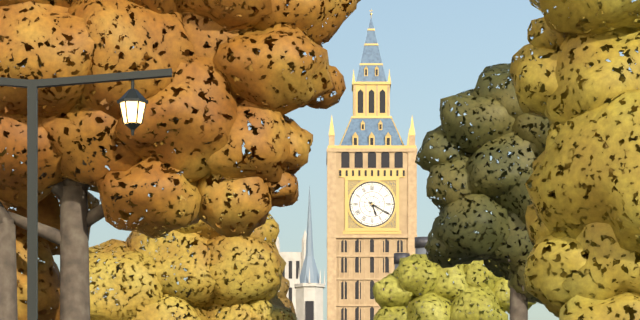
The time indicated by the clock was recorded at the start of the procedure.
5:20
